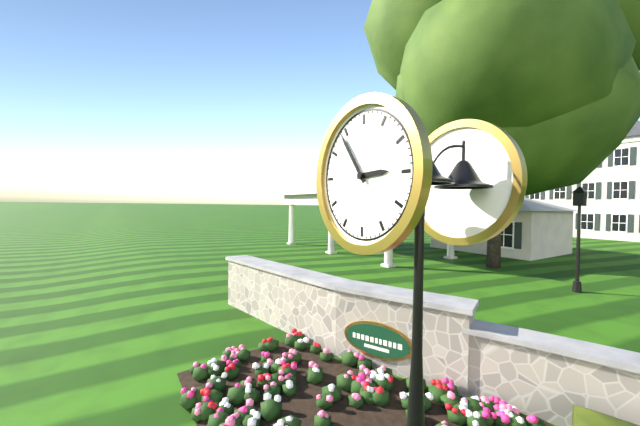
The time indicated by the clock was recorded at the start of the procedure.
2:54
